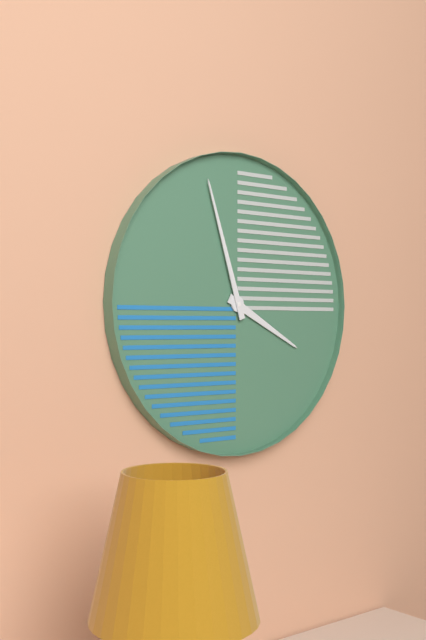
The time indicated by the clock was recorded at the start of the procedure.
3:57
